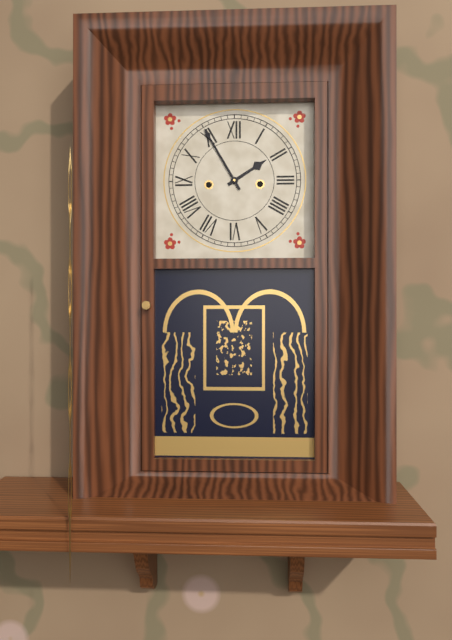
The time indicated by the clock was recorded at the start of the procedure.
1:55
